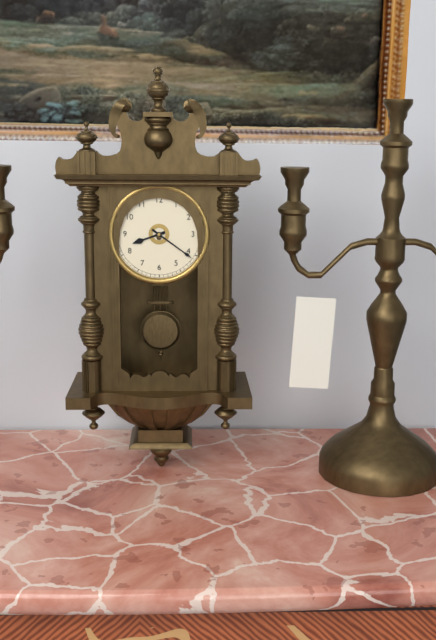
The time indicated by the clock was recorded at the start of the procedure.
8:21
